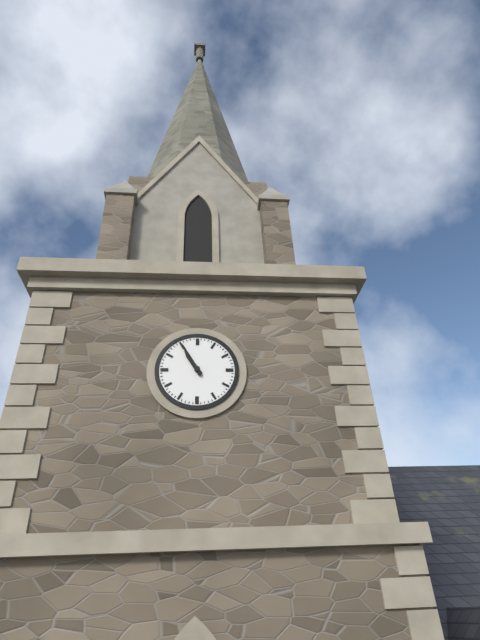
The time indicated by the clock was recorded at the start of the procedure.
10:55
